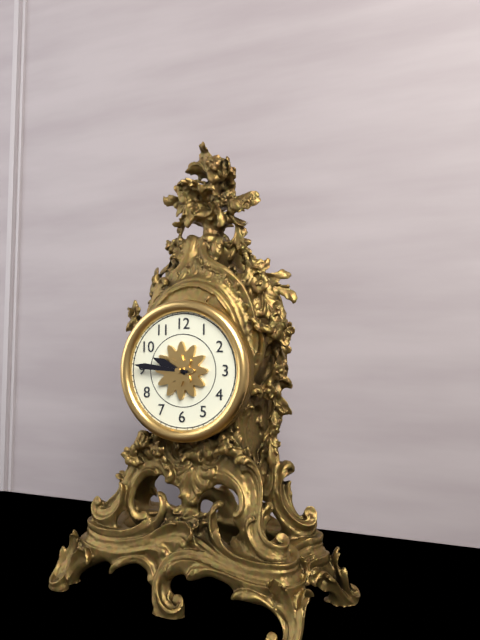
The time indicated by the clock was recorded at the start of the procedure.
9:46
